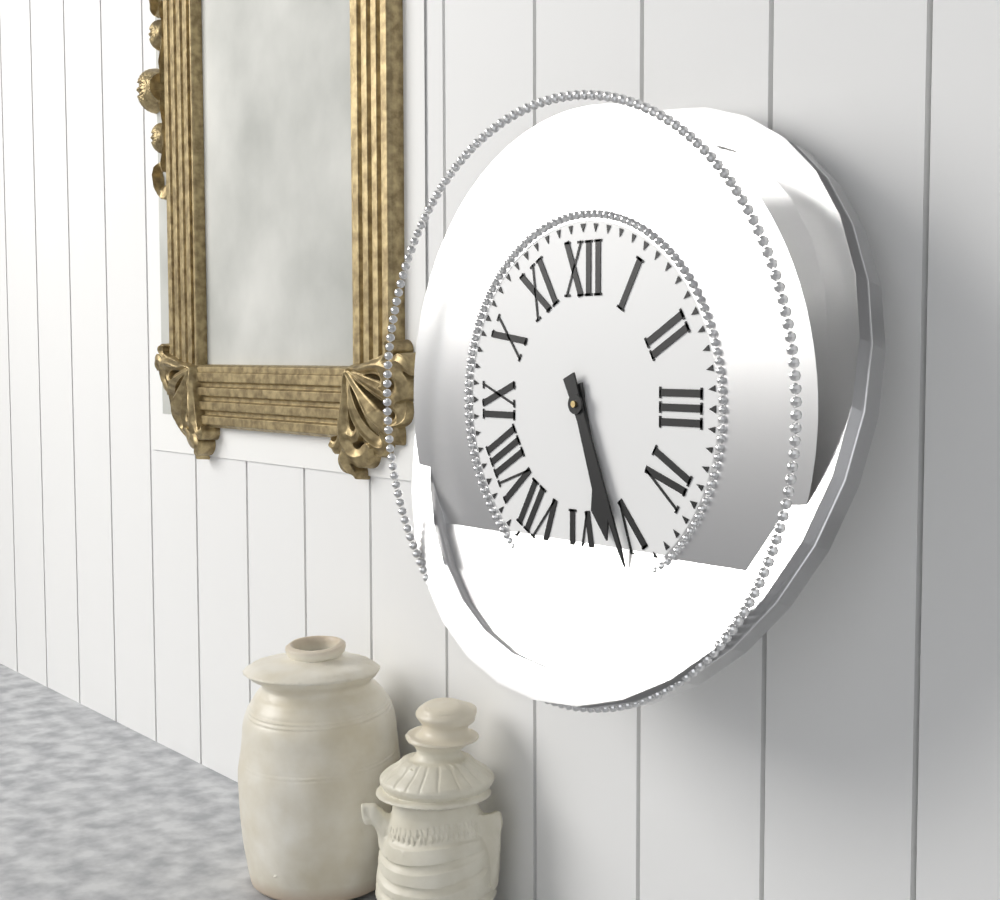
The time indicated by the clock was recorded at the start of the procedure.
5:26
